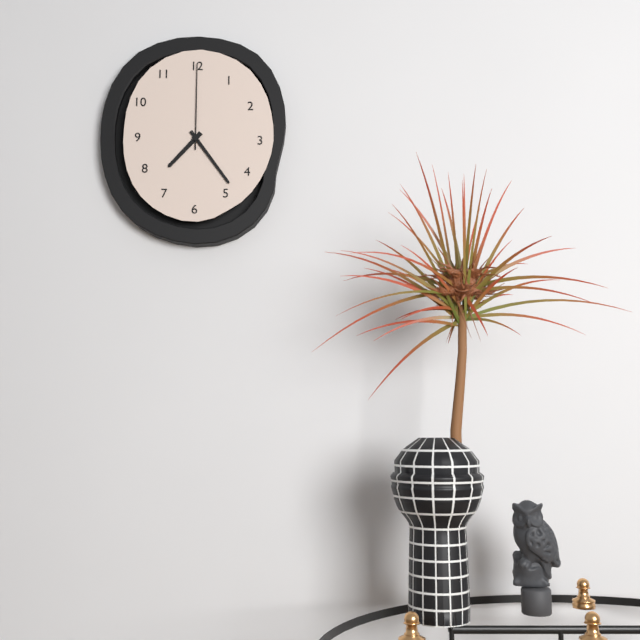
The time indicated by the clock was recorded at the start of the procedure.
7:24:00
